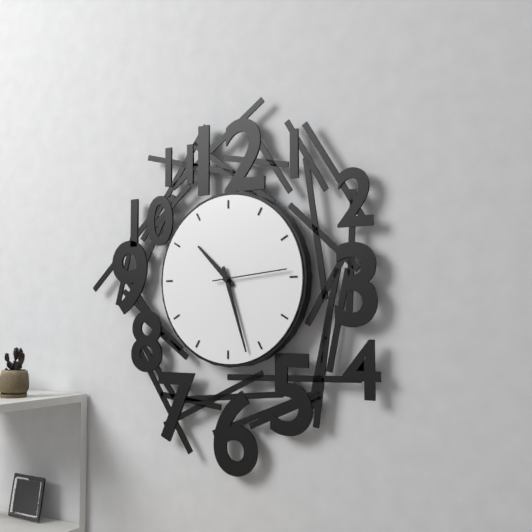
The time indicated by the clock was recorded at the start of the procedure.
10:27:14
